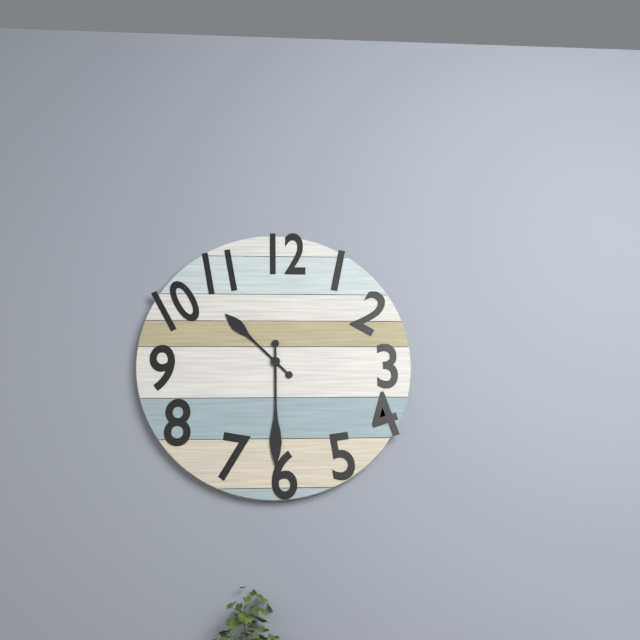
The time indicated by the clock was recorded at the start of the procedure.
10:30
